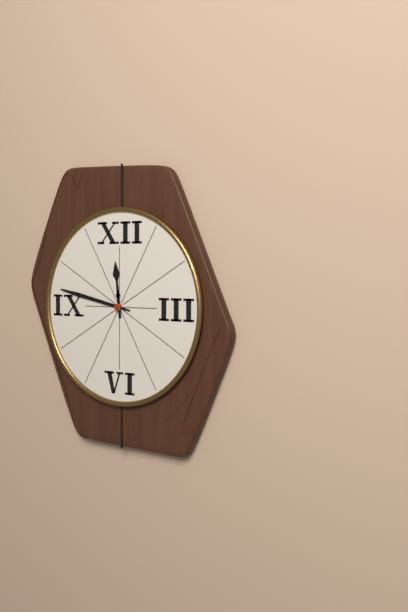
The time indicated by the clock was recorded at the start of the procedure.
11:47
